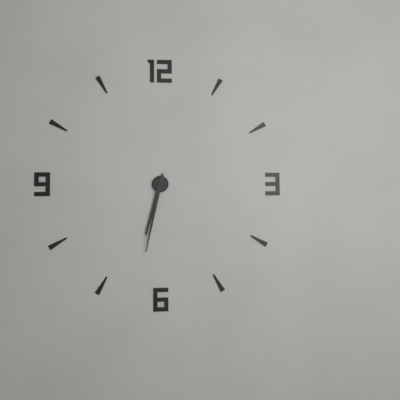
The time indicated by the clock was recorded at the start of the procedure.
6:32
